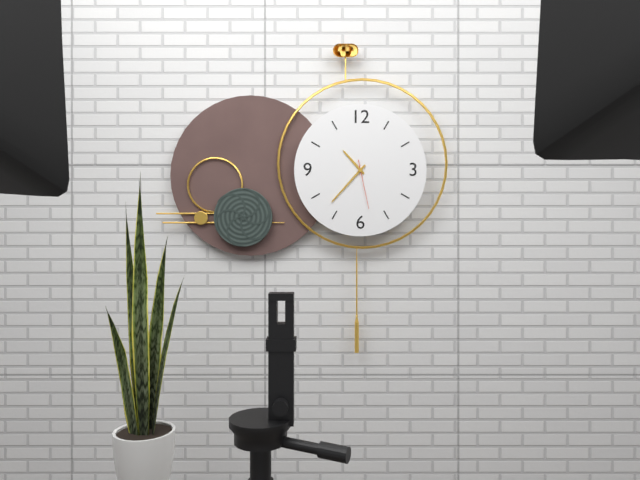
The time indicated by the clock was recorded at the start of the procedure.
10:37
